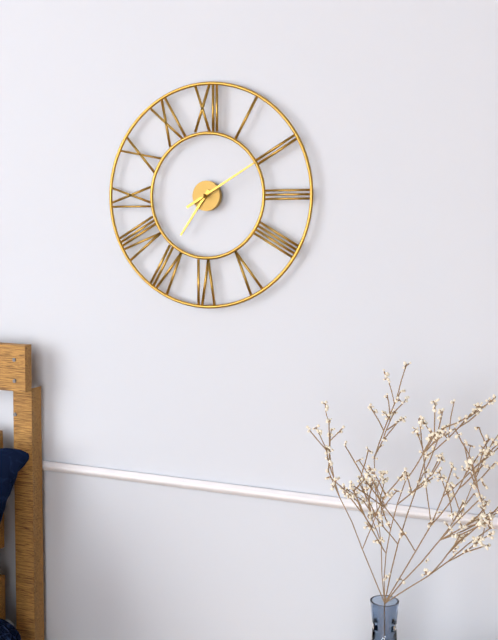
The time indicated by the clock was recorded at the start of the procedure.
7:10
